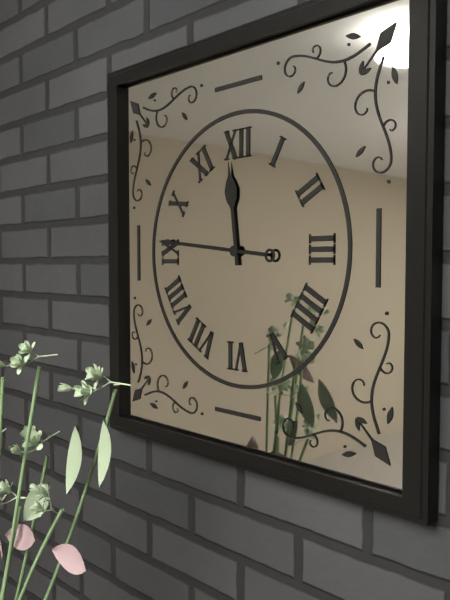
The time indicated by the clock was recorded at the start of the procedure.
11:46
